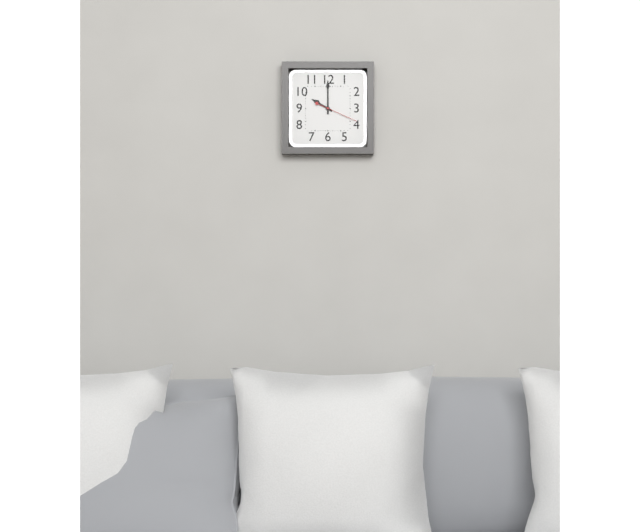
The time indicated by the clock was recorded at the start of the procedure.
10:00
